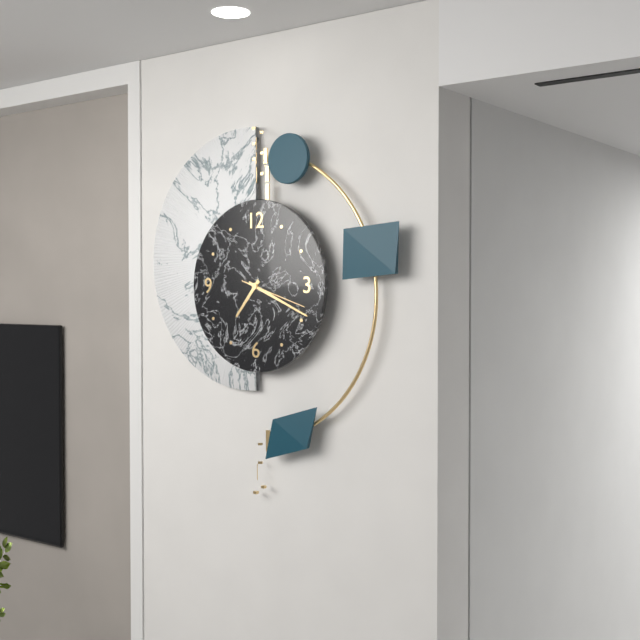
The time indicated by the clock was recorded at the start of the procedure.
7:19:18
